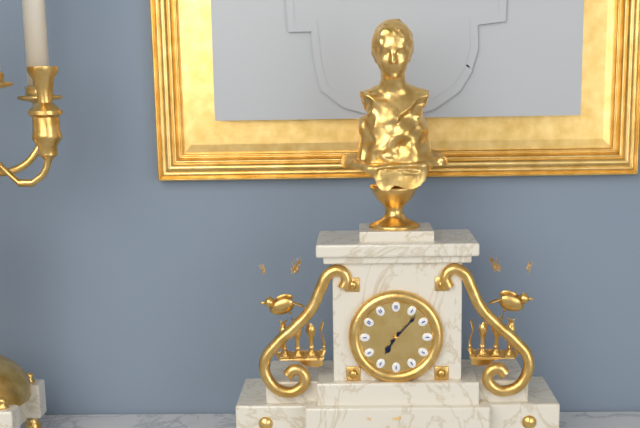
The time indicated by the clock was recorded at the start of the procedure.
7:07
